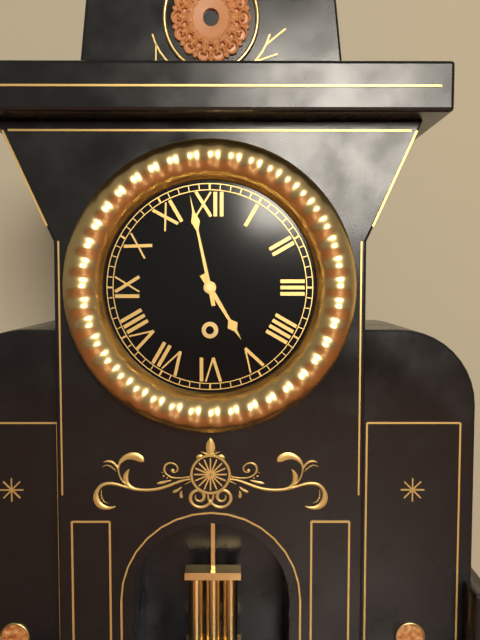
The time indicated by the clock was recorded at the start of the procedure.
4:58
